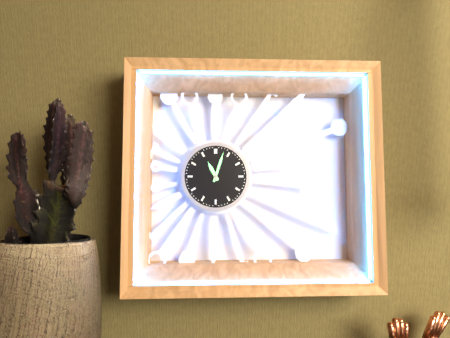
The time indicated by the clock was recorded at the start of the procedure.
11:03
